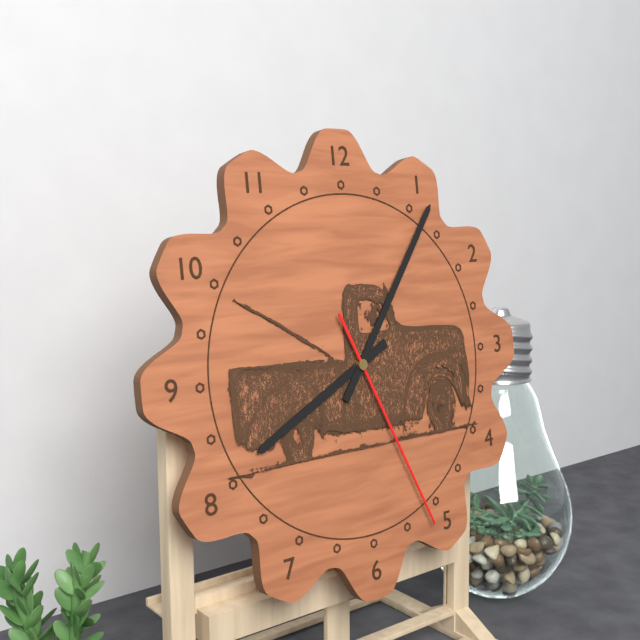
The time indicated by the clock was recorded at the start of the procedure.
8:06:26
